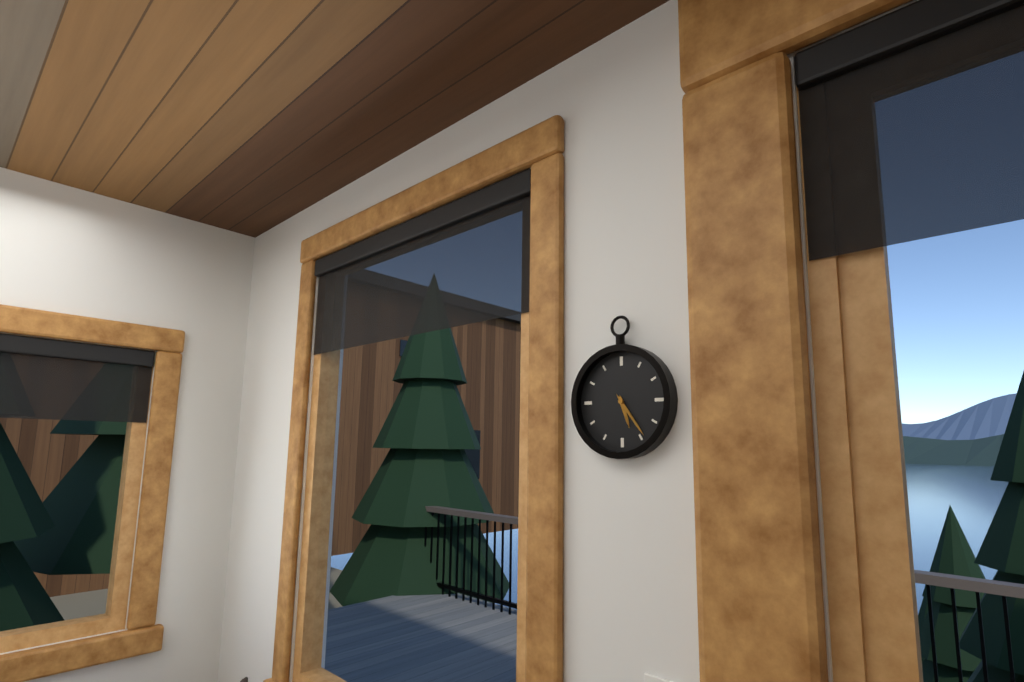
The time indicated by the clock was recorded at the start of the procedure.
5:24
